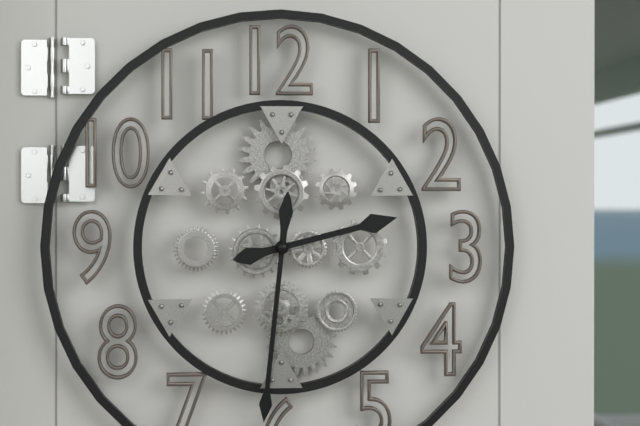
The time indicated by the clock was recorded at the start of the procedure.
2:31
